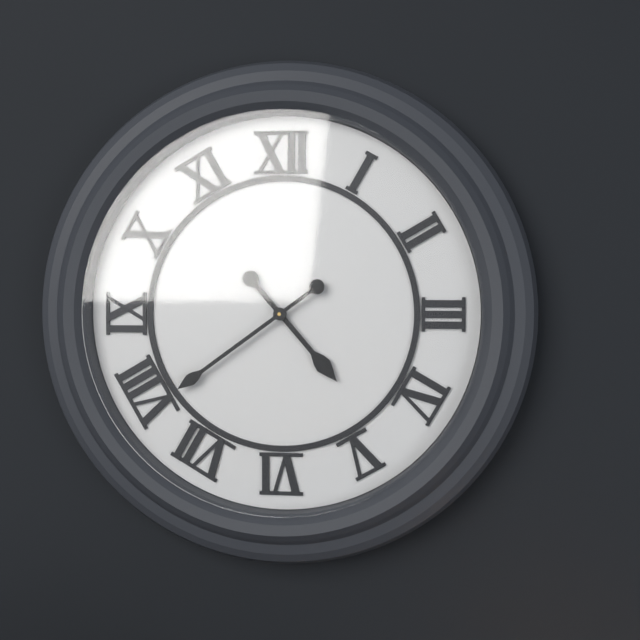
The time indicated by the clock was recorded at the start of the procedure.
4:39
